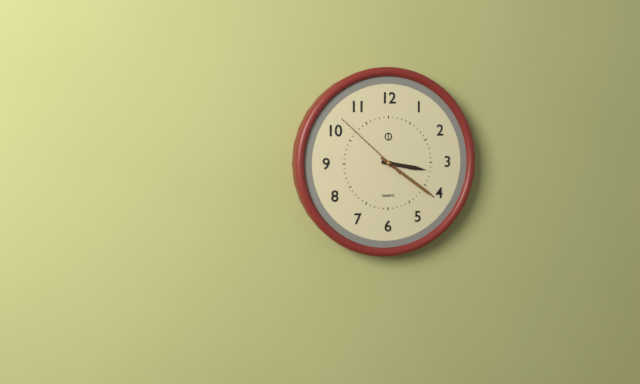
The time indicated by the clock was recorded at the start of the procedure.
3:21:52
